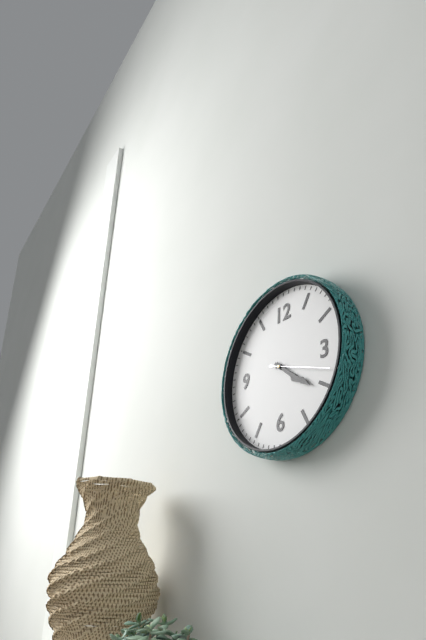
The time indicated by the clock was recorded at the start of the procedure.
4:21
